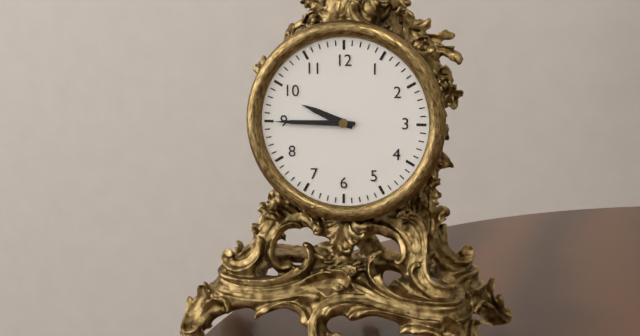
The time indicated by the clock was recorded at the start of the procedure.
9:45
